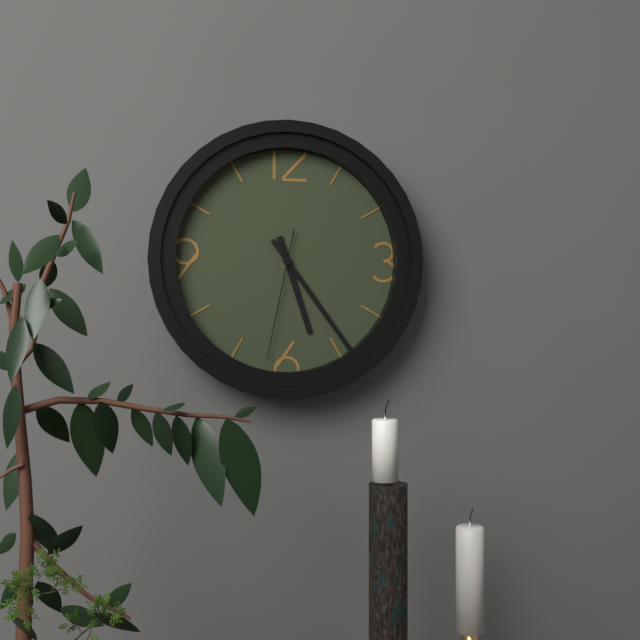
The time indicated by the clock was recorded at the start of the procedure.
5:24:32
